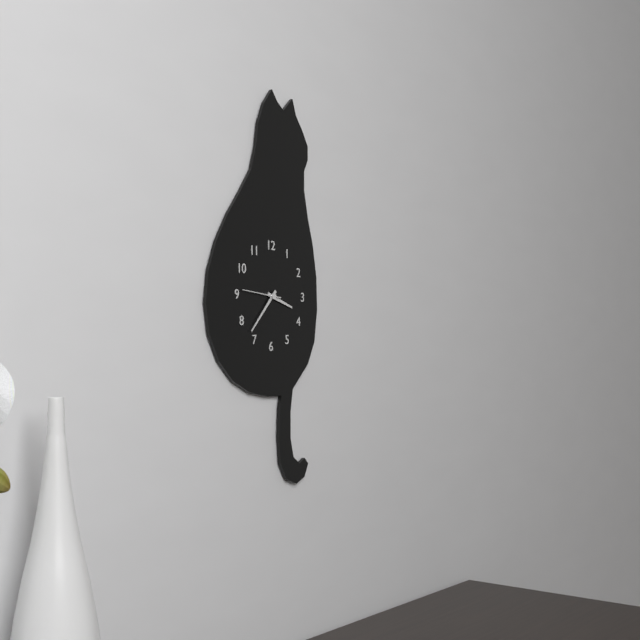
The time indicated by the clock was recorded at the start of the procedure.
3:37
